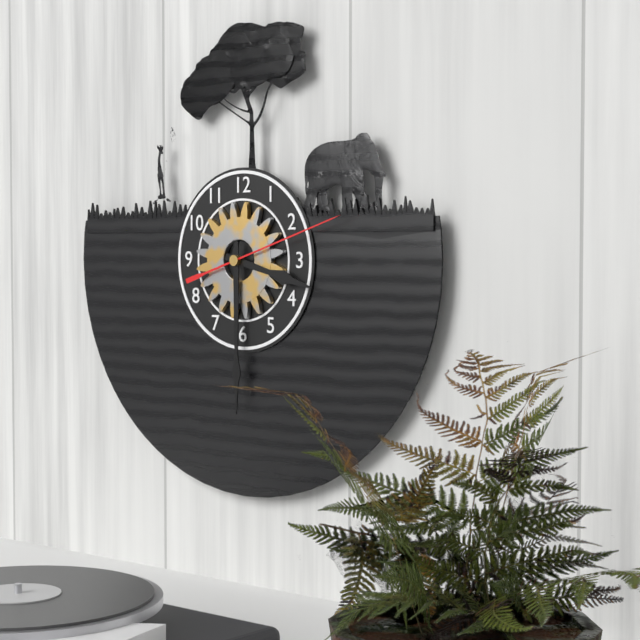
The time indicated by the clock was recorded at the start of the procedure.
3:30:12
